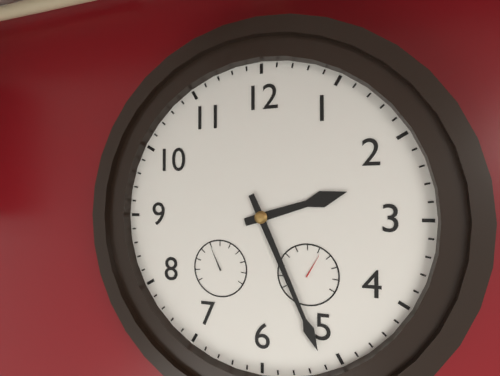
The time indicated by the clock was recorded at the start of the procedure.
2:26
